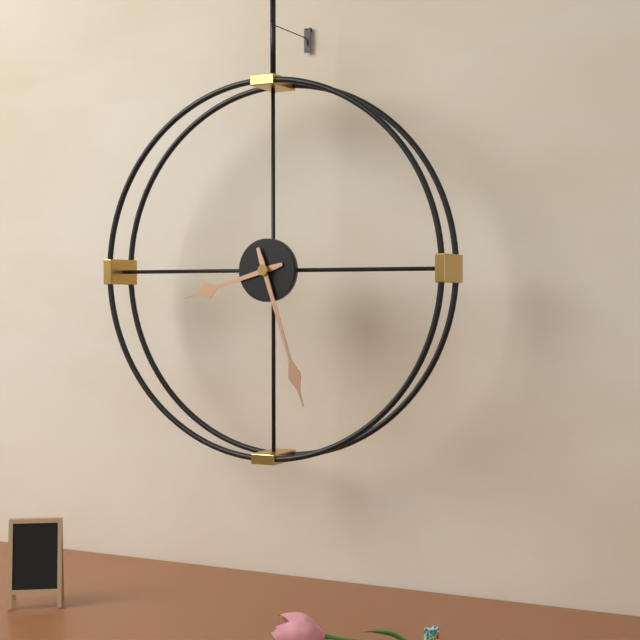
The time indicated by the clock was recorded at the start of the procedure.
8:27
